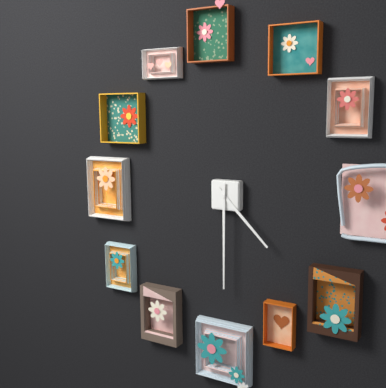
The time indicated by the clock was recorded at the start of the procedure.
4:30
